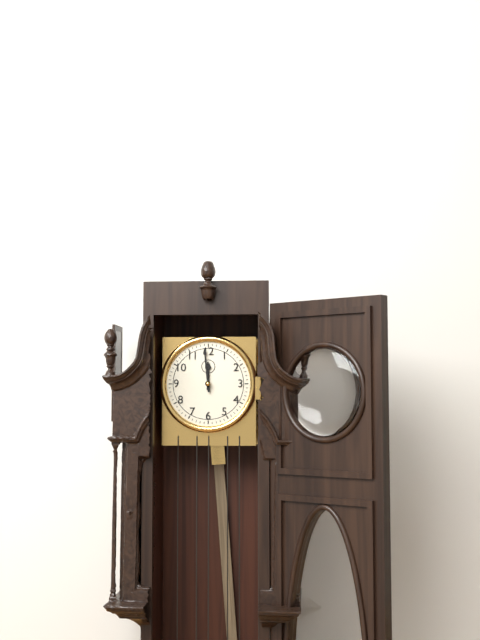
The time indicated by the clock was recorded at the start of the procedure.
11:59
